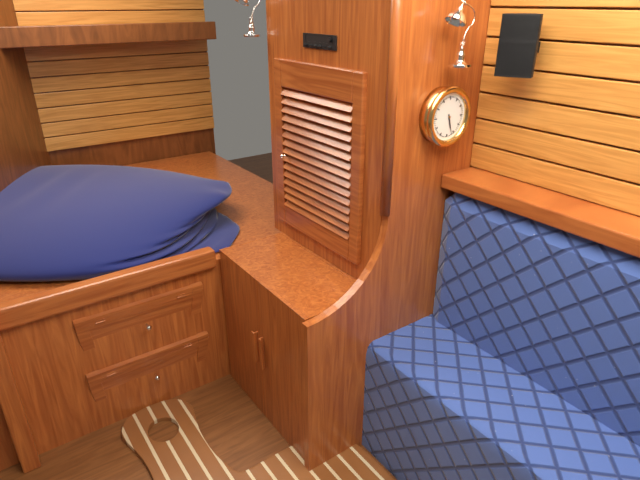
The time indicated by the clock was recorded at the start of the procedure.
5:27
